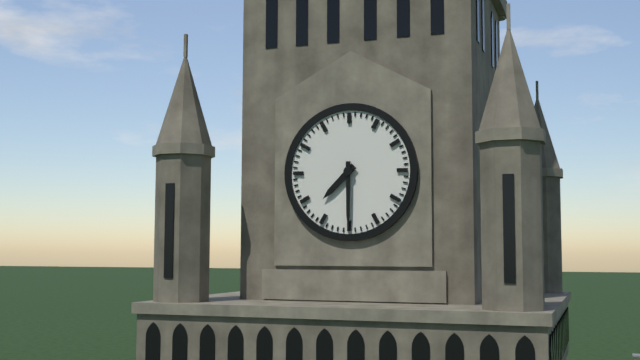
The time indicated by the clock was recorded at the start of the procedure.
7:30
